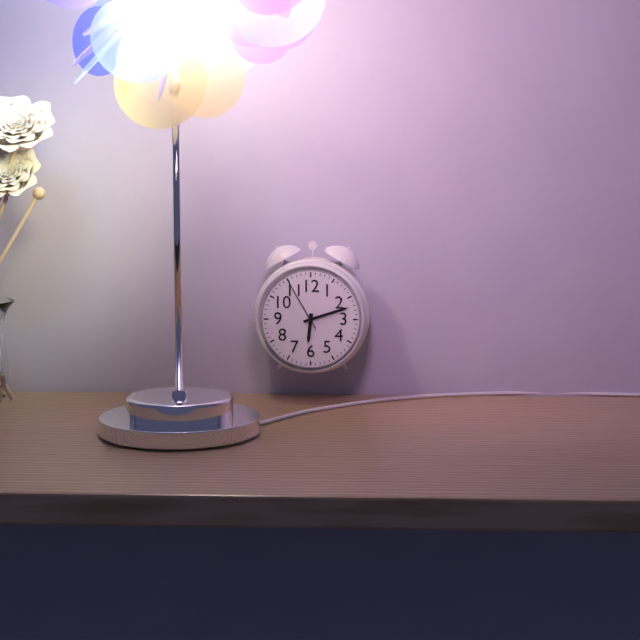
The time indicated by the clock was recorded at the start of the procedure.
6:12:55
